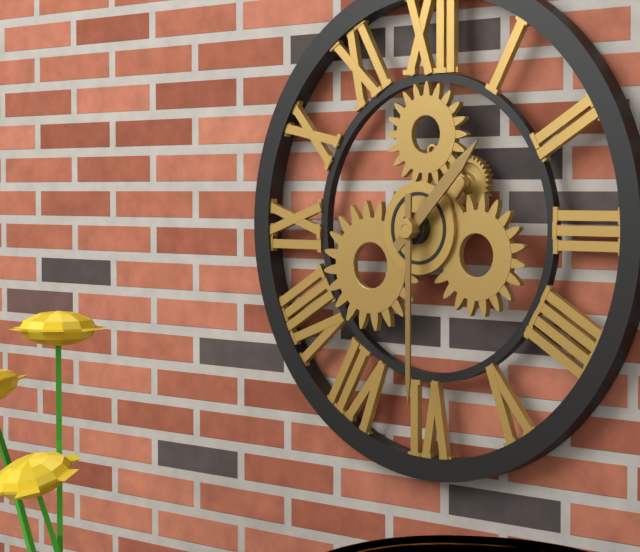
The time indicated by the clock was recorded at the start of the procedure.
1:30
